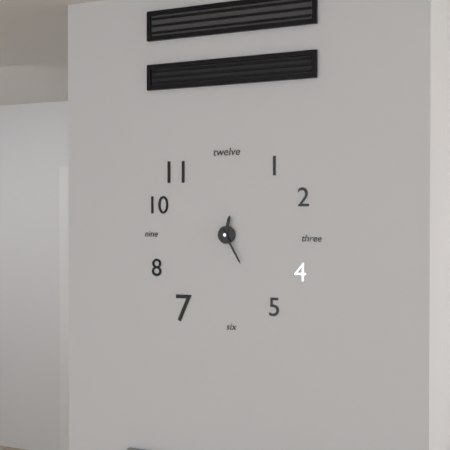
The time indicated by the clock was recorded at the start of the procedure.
12:25
